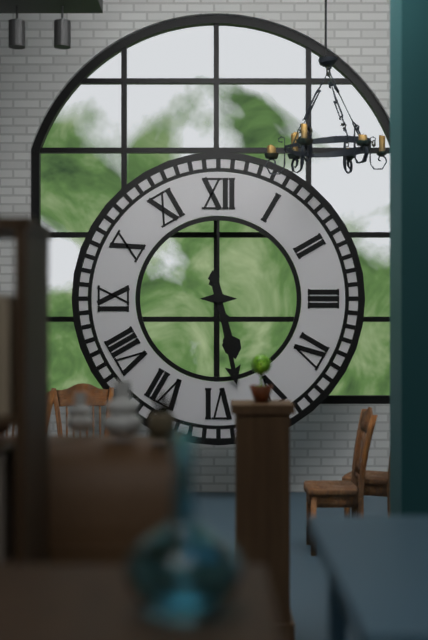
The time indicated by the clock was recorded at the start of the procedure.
5:28
